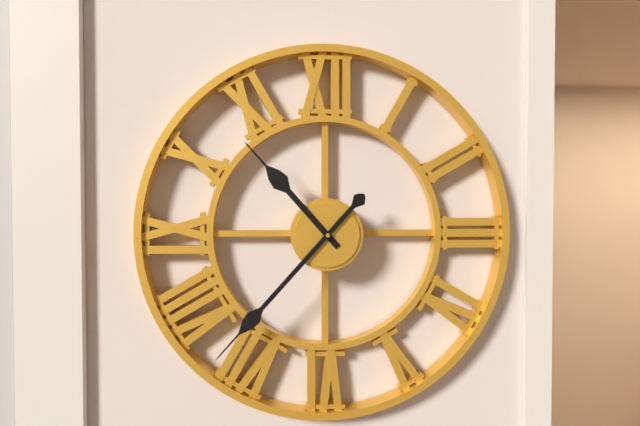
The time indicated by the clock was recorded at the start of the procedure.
10:37
